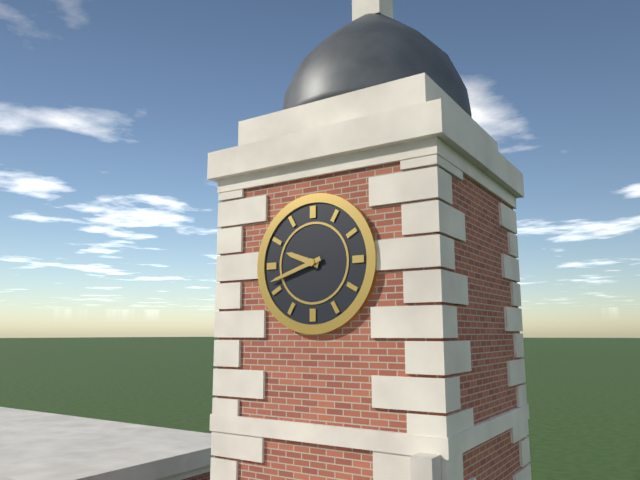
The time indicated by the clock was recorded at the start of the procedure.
9:42
